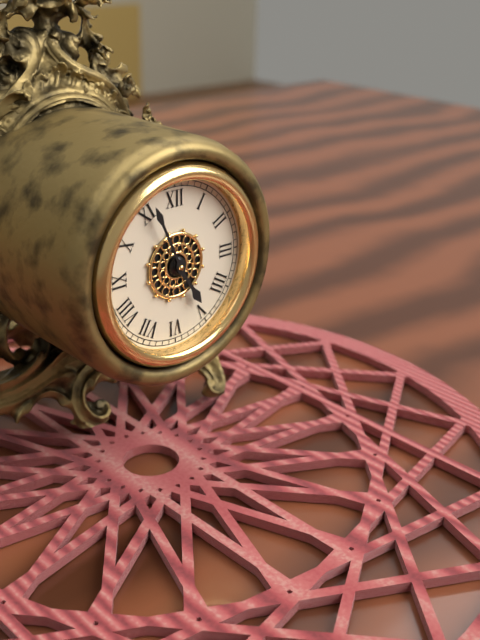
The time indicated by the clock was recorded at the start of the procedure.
4:56
